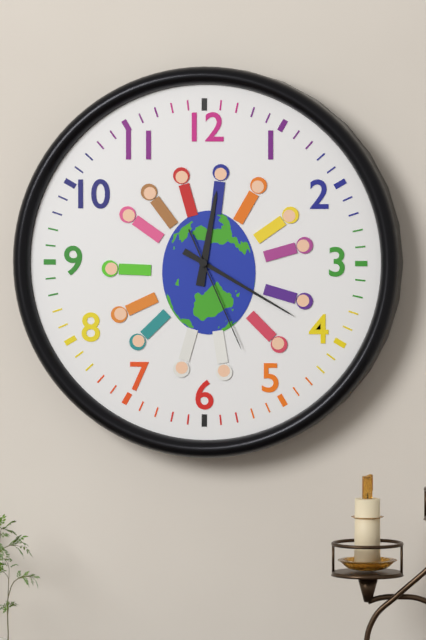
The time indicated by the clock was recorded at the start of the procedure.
12:20:26
